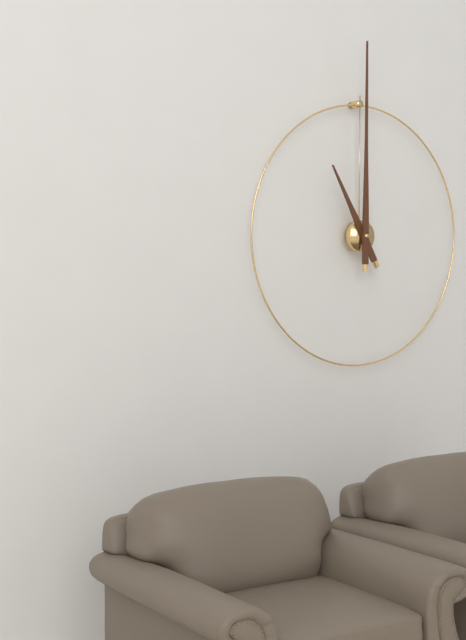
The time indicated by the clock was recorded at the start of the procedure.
11:00
